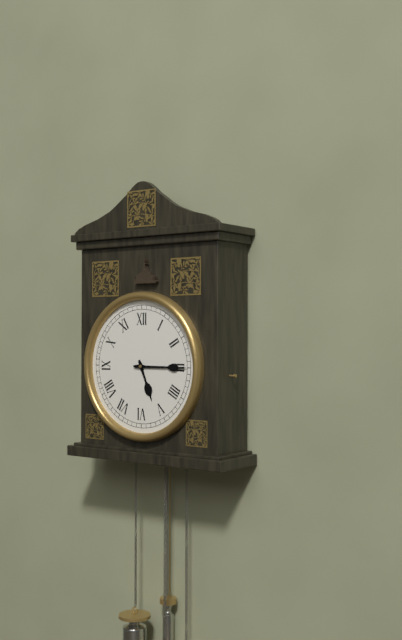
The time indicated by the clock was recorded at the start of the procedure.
5:15
